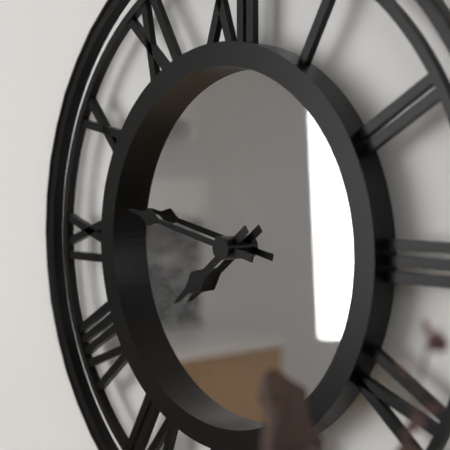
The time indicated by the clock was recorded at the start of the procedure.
7:47
